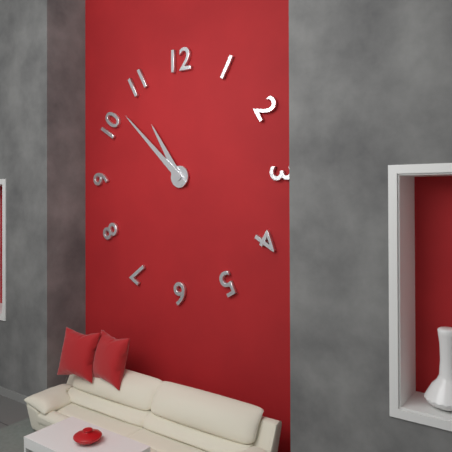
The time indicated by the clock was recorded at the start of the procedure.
10:52
